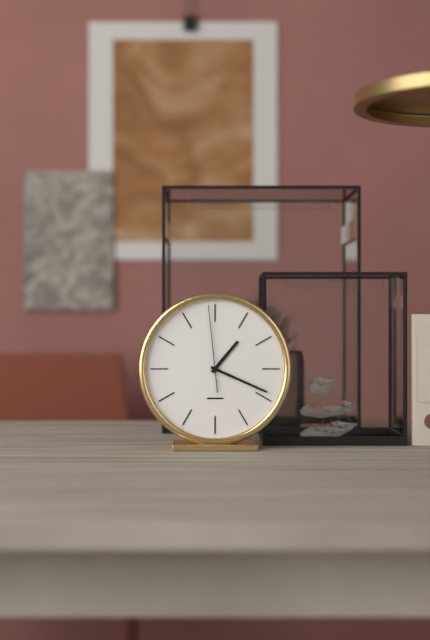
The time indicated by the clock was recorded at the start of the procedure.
1:19:59
